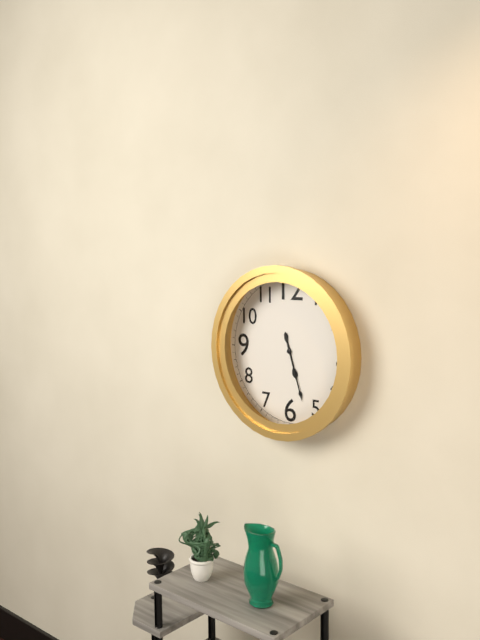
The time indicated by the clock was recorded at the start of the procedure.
5:27
